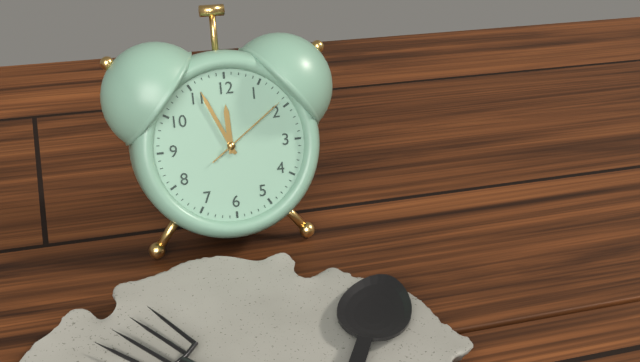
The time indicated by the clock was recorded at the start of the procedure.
11:56:09
